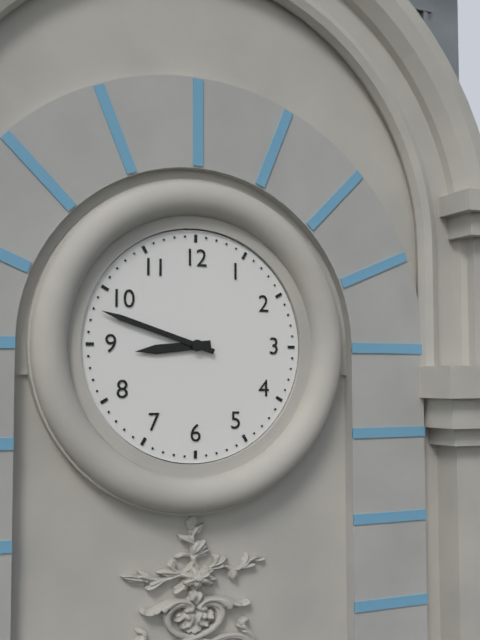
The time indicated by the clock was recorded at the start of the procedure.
8:48
